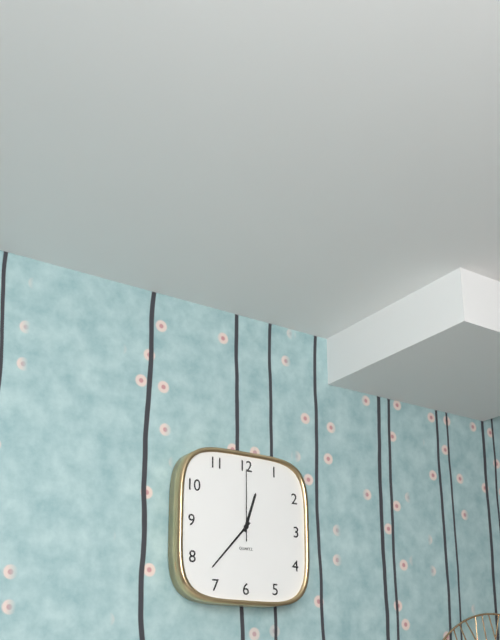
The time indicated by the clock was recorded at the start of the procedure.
12:37:00
